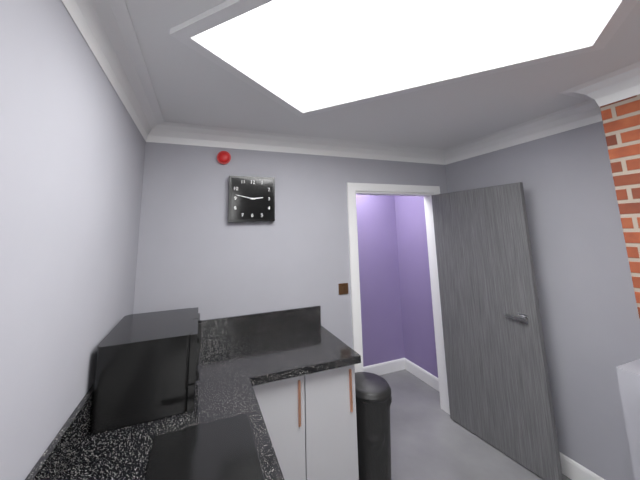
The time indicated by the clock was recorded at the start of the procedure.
2:47
